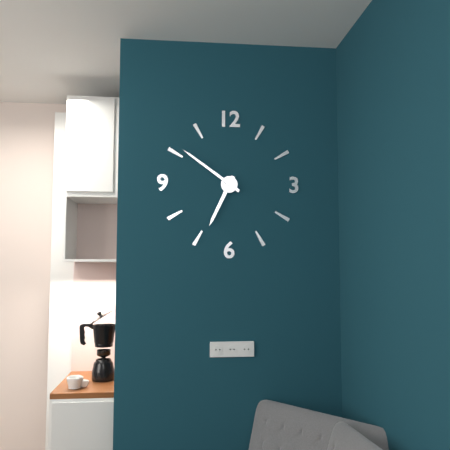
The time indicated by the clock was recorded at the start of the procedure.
6:51
